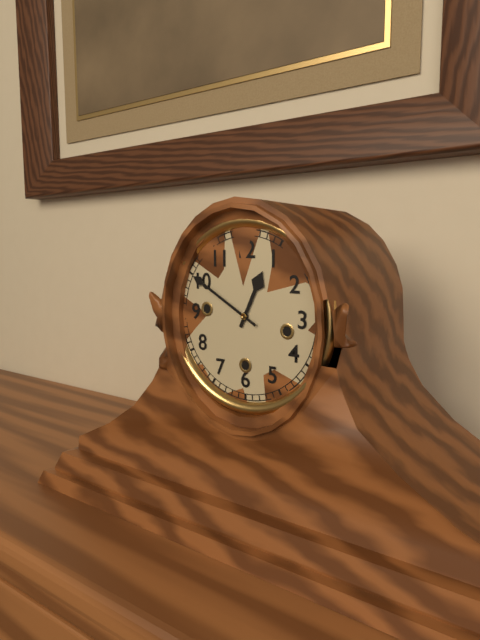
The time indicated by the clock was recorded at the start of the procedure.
12:50
